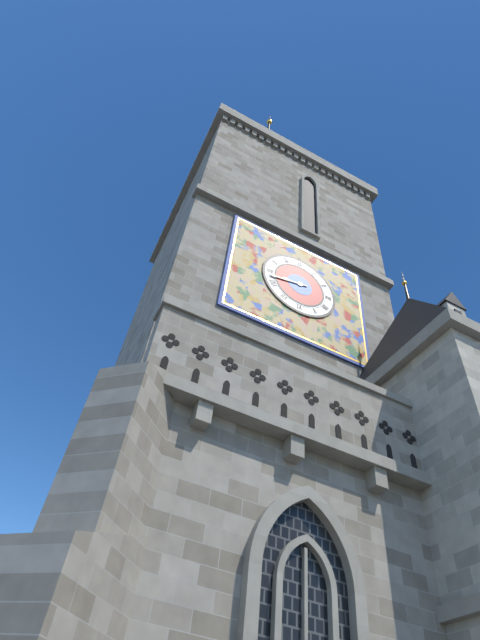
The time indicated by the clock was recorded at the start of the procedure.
8:43
